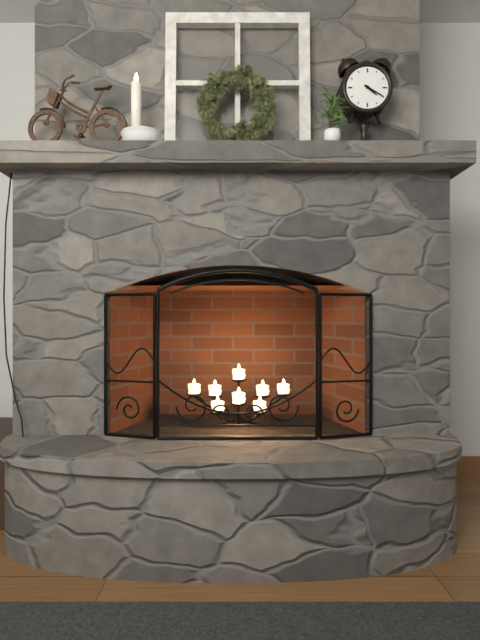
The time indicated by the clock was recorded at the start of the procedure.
4:20
